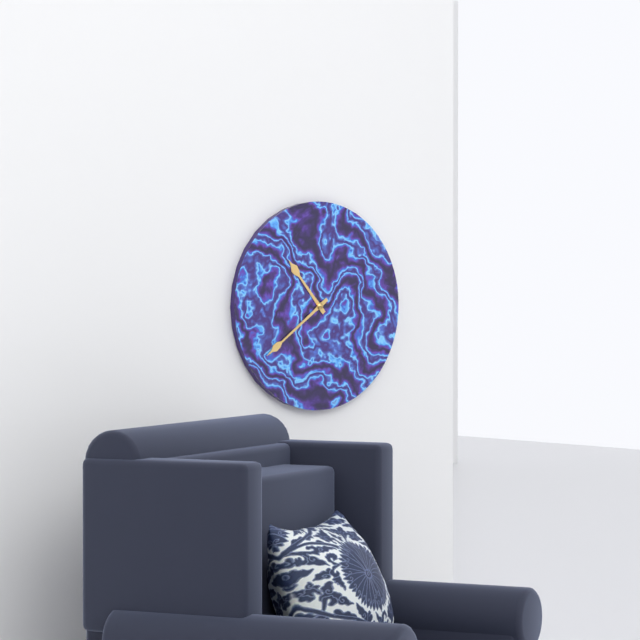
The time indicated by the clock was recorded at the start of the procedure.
10:39
